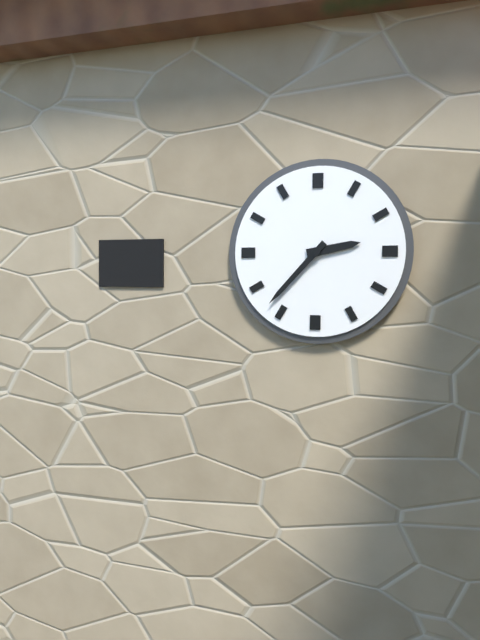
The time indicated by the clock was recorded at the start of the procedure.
2:37
